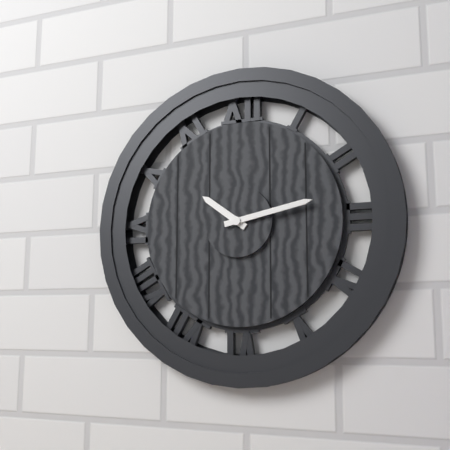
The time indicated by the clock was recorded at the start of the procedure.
10:13
